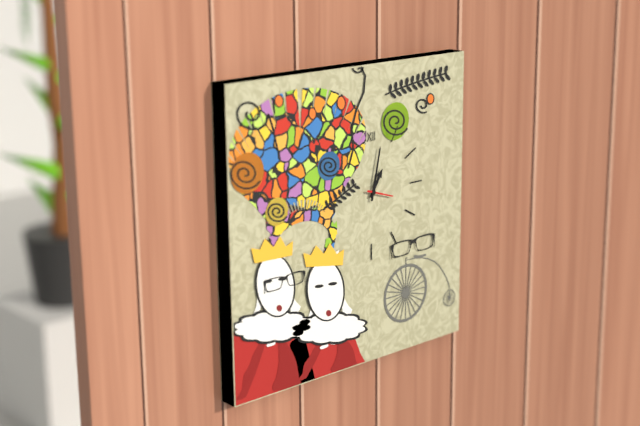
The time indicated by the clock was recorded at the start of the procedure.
1:02
